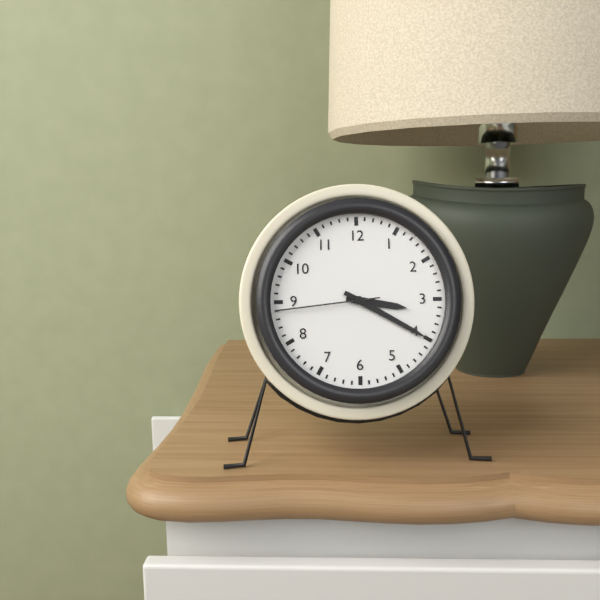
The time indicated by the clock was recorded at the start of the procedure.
3:20:44
